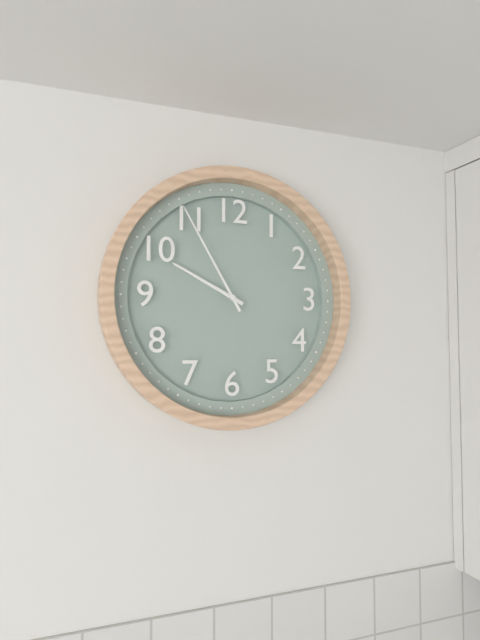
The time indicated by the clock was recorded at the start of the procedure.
9:55
